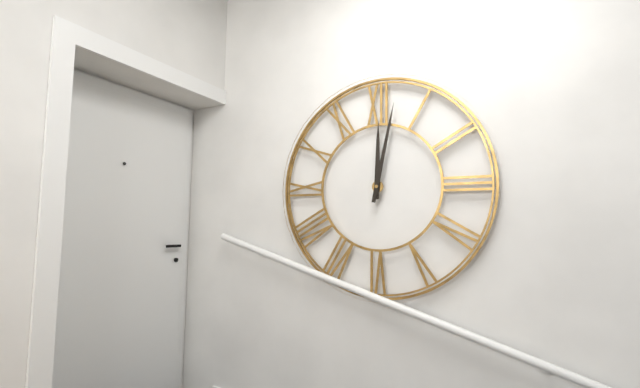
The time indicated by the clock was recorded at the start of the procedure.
12:02
